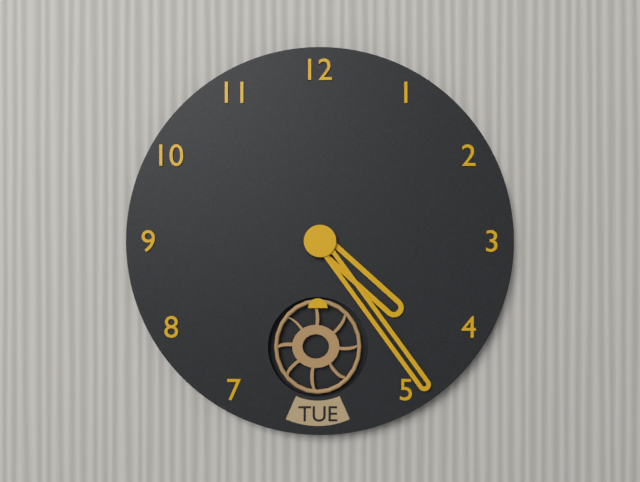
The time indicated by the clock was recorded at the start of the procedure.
4:24
